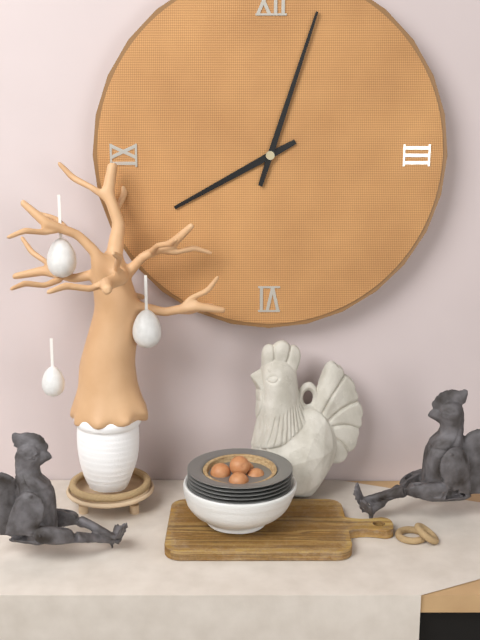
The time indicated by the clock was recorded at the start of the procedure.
8:03
